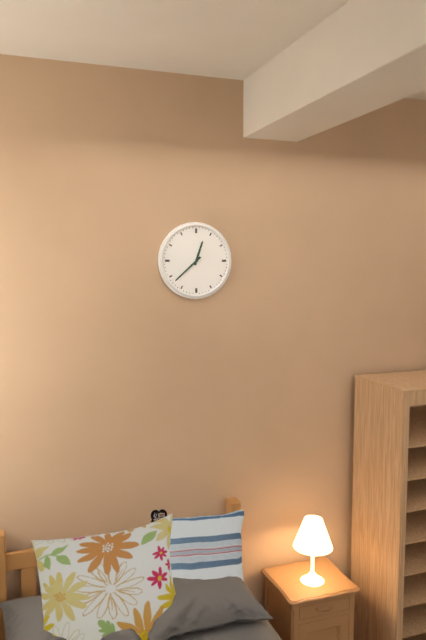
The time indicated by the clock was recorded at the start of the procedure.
12:38
